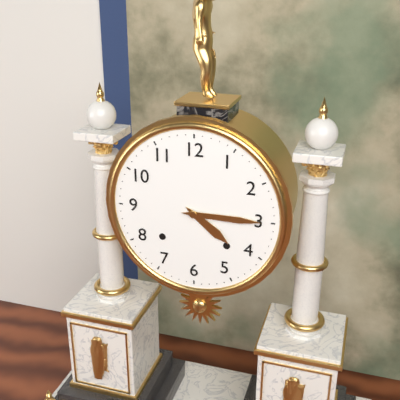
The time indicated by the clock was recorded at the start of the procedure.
4:15
